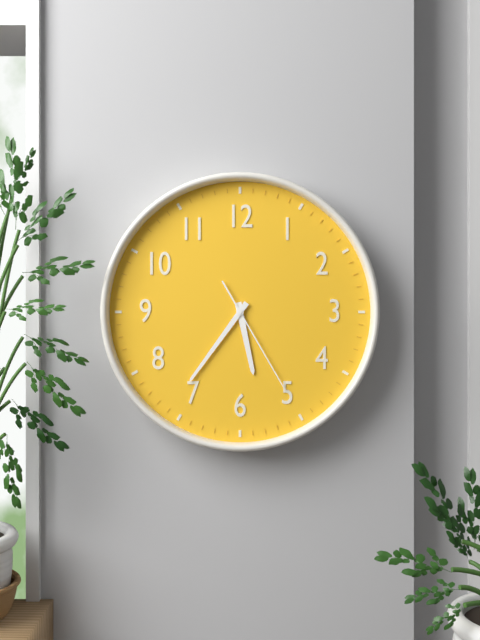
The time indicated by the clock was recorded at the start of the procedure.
5:36:25
